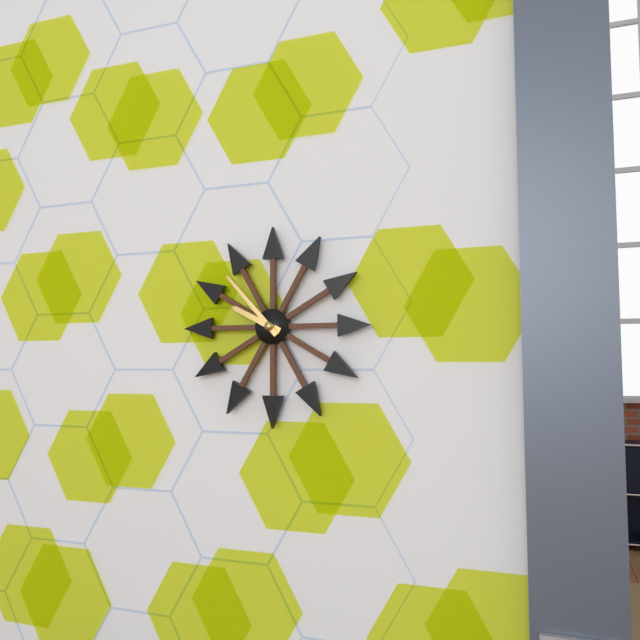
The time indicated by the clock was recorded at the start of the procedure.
9:53
